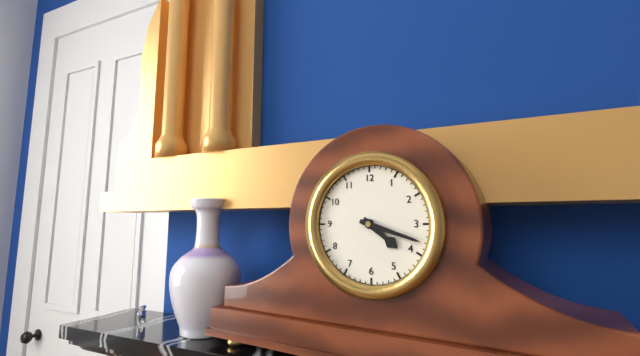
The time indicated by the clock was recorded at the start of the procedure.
4:18
